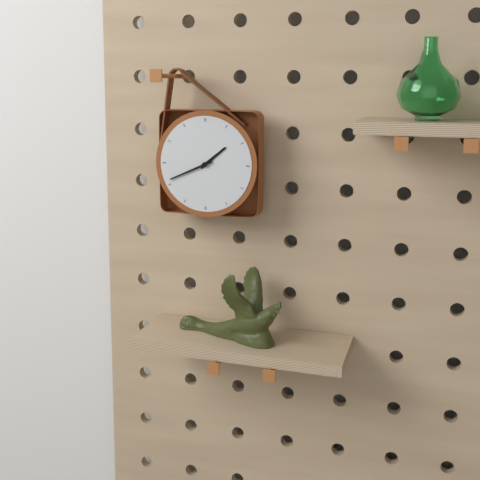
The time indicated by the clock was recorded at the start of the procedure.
1:41
